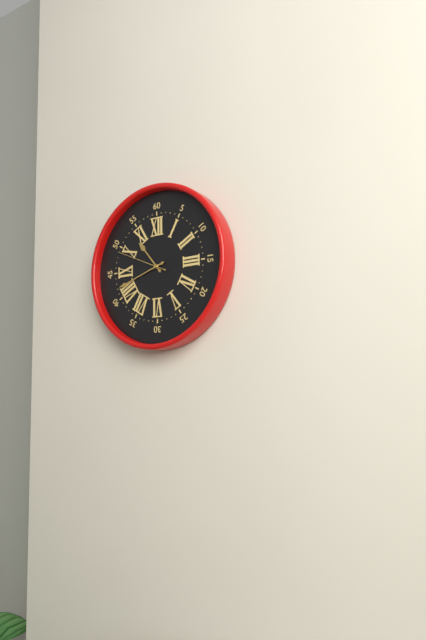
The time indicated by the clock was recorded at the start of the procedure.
10:42:49
